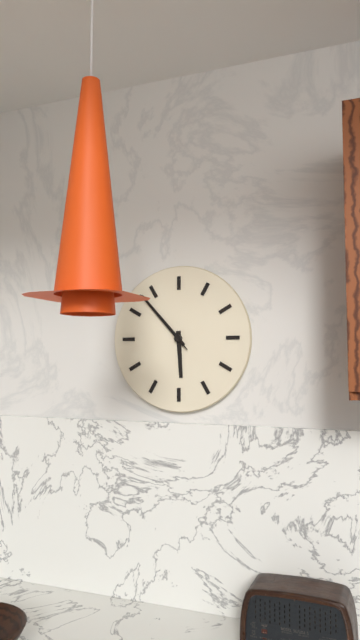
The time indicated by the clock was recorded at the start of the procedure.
5:53:53
